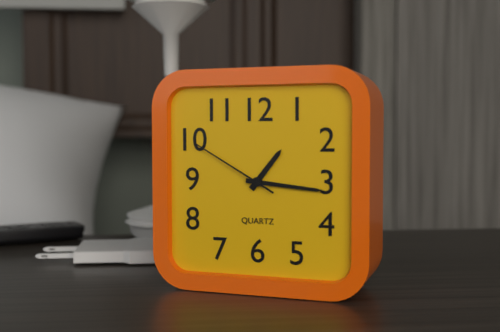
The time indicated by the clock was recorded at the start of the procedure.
1:16:50
